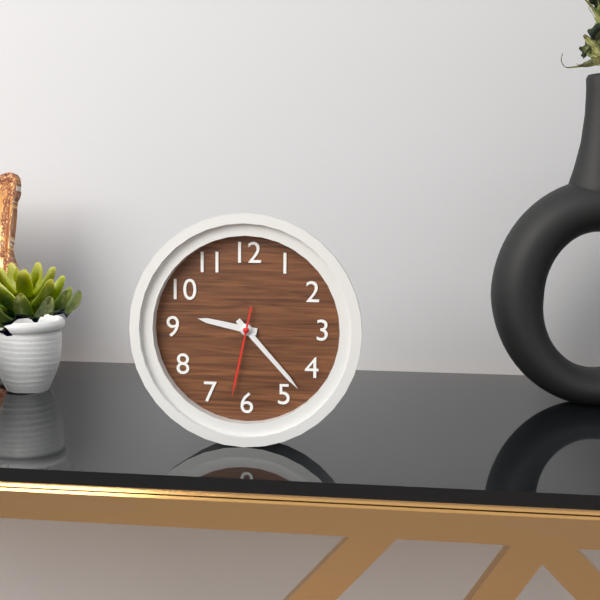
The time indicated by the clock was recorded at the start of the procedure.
9:23:32
